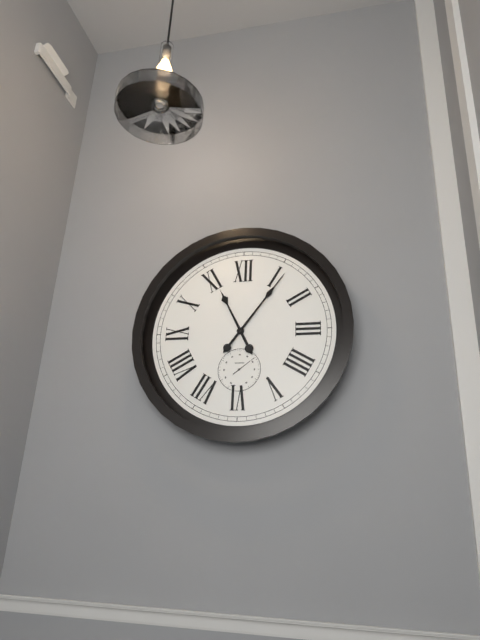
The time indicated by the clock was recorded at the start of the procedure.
11:06
